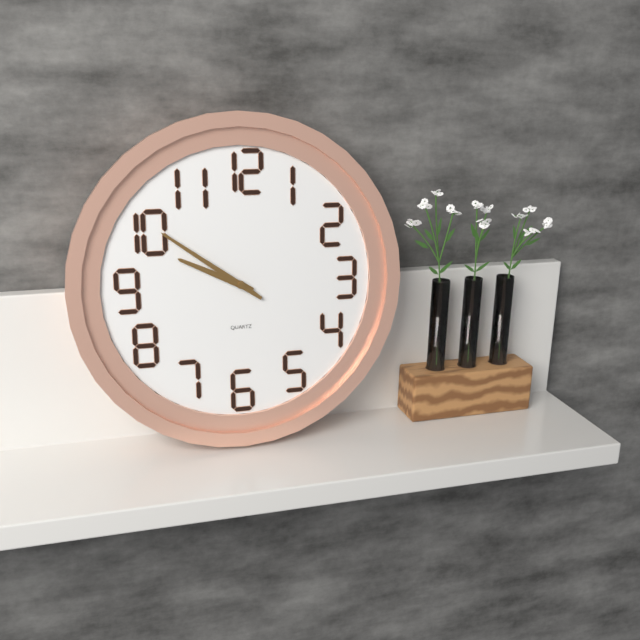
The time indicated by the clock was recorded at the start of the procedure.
9:51
